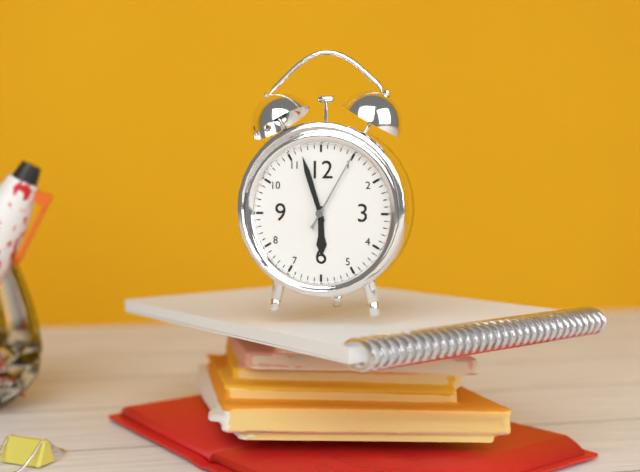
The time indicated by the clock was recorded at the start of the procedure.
5:57:05
